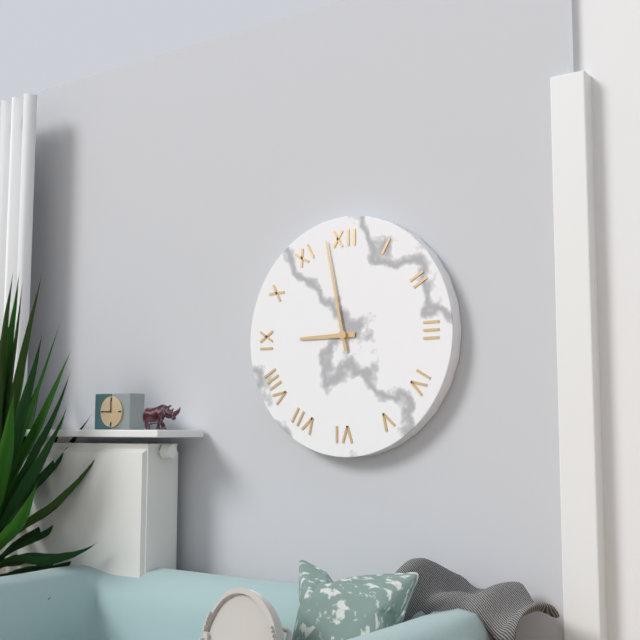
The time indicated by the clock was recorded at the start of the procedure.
8:58
